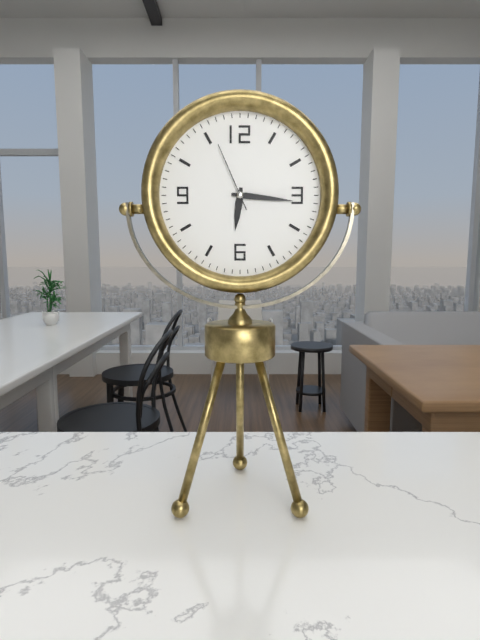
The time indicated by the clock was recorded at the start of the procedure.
6:16:56
